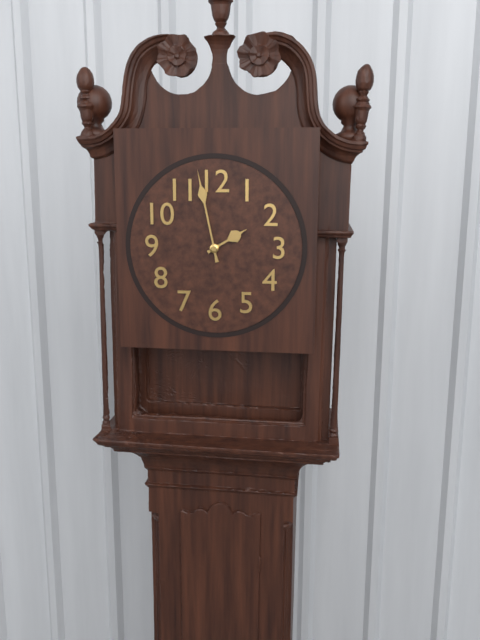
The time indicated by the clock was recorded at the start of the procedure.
1:58
